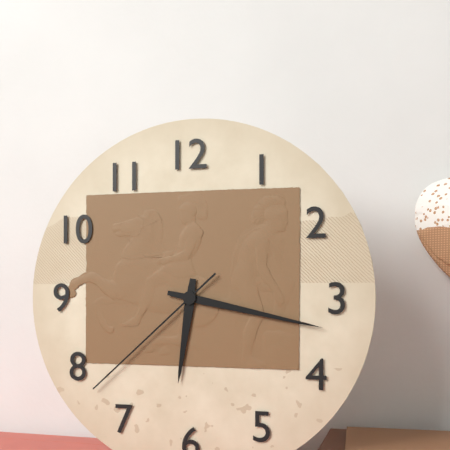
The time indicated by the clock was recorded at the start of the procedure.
6:17:38
